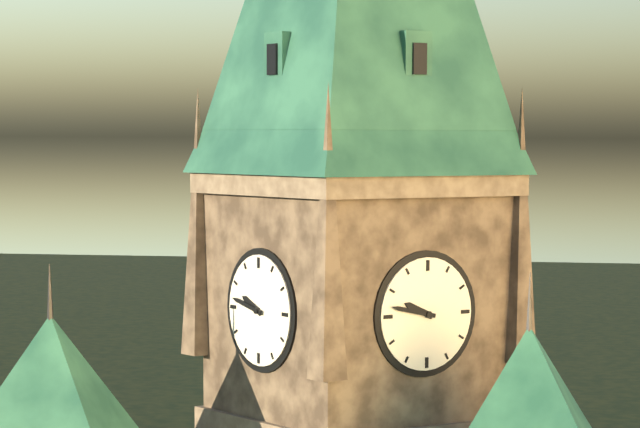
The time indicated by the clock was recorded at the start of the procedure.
9:47
